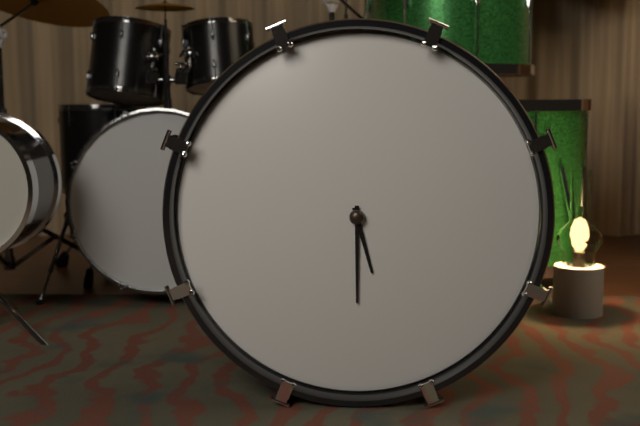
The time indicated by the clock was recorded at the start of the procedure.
5:30
